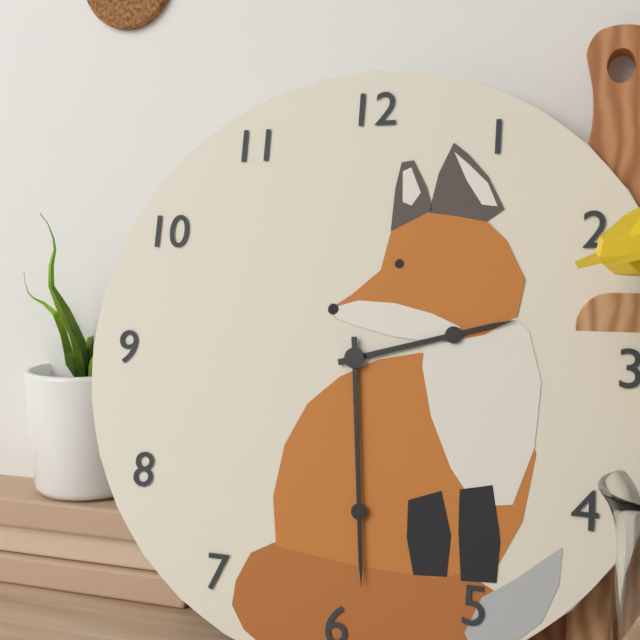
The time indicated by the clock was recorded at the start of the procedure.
2:29
